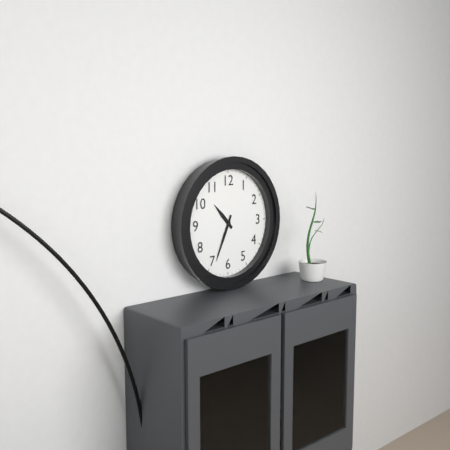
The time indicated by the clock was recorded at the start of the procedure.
10:34
